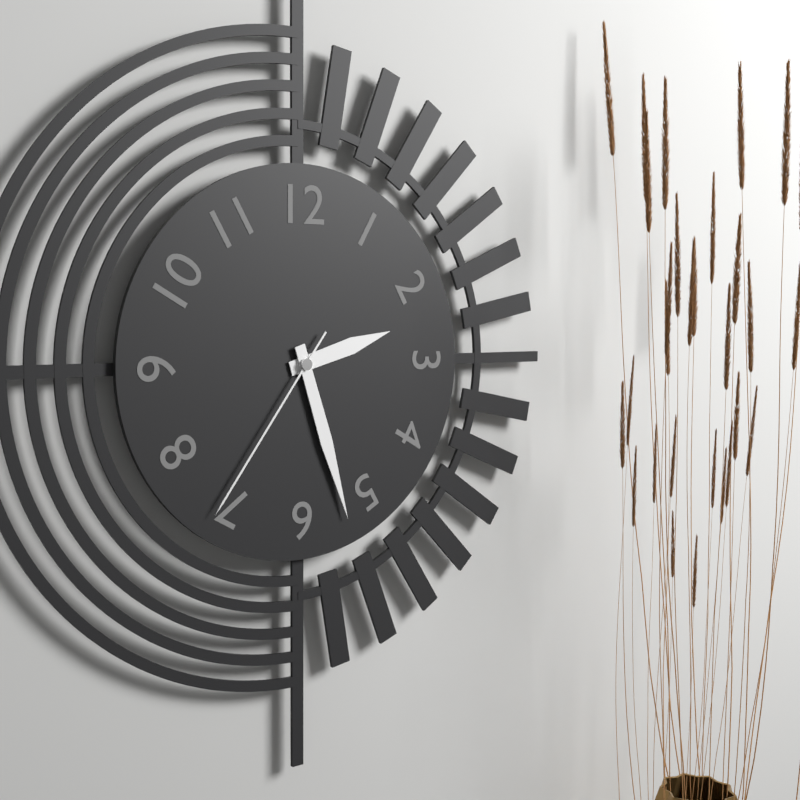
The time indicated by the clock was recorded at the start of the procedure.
2:27:36
